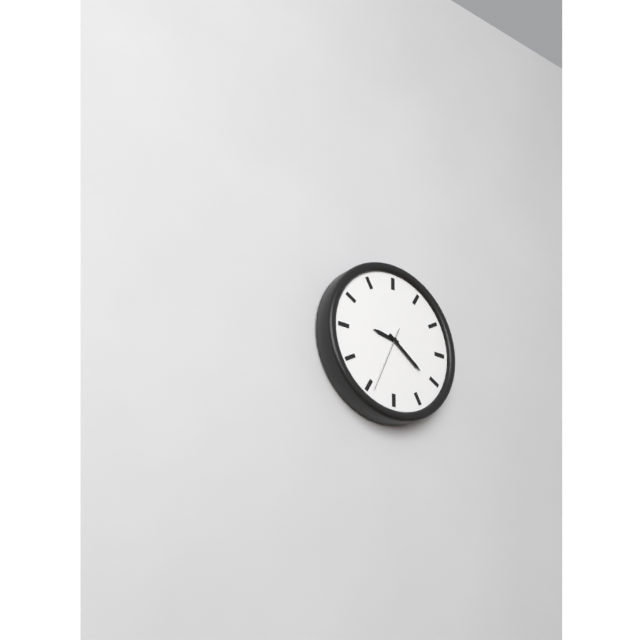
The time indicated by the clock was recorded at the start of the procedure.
9:21:34
